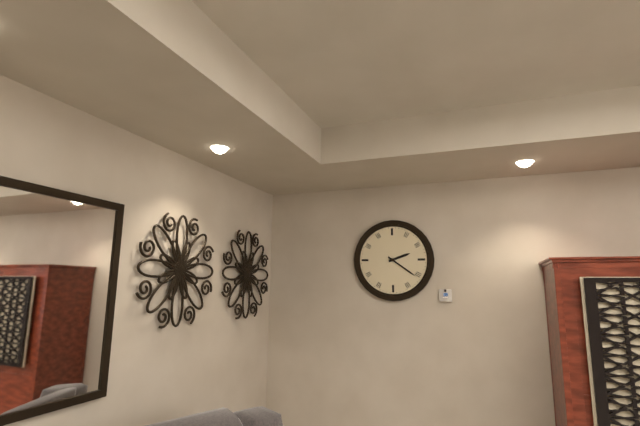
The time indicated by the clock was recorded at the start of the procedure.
2:21
